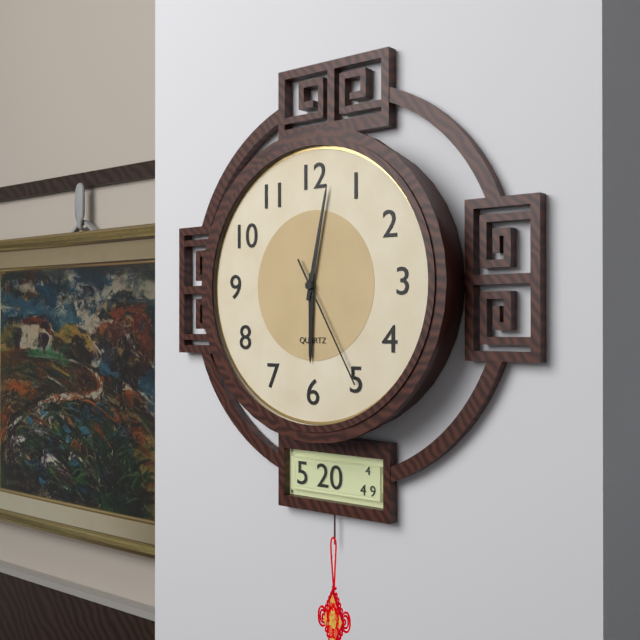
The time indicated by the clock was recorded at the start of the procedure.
6:02:25
